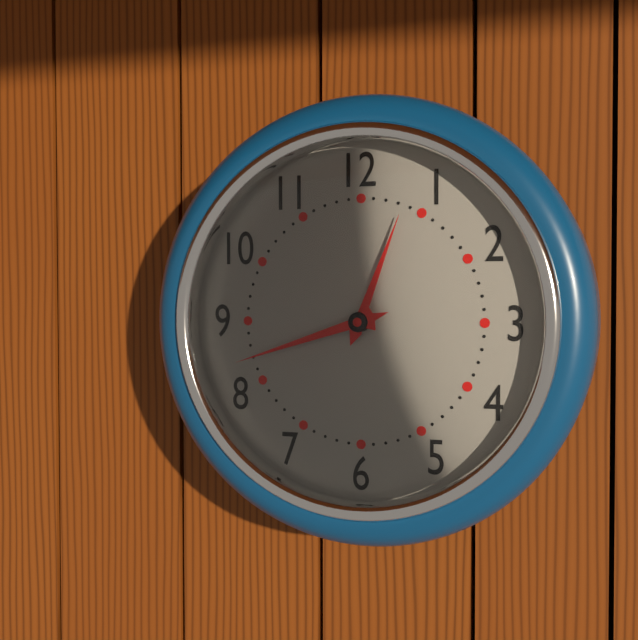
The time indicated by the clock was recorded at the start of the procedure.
12:42
